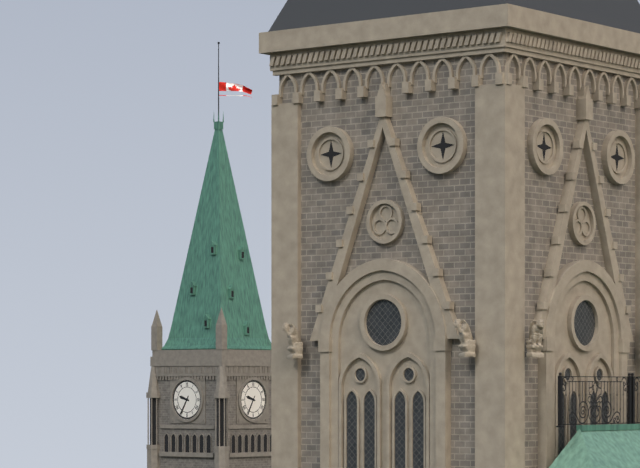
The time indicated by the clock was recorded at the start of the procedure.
9:35
